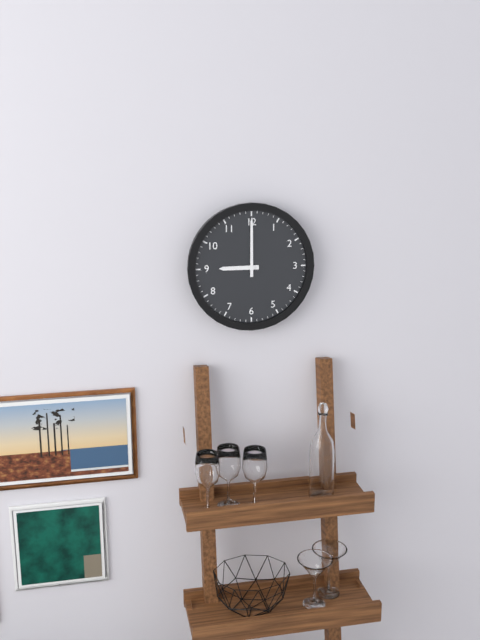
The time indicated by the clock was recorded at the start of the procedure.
9:00
